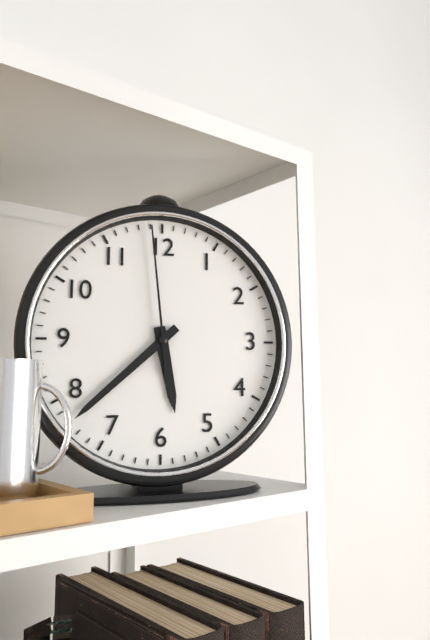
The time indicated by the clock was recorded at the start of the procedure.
5:38:59
